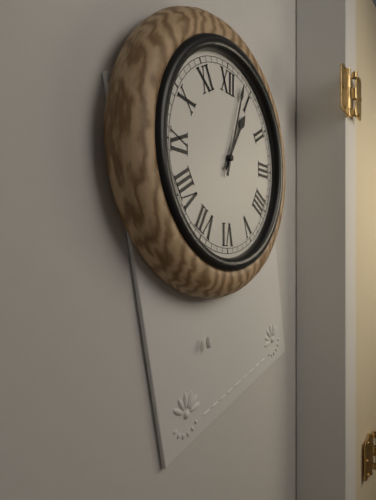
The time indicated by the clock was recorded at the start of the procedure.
1:03
